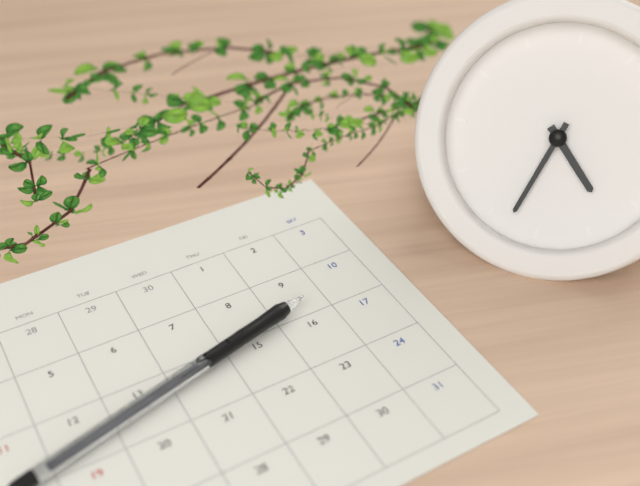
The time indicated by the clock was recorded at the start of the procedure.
4:33
